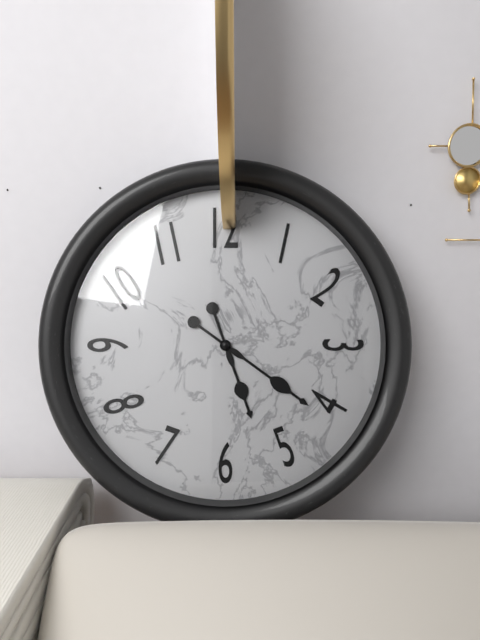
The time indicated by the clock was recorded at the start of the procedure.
5:21
